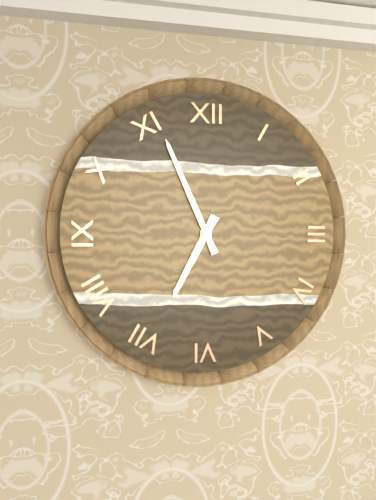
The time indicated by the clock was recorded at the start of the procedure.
6:56
